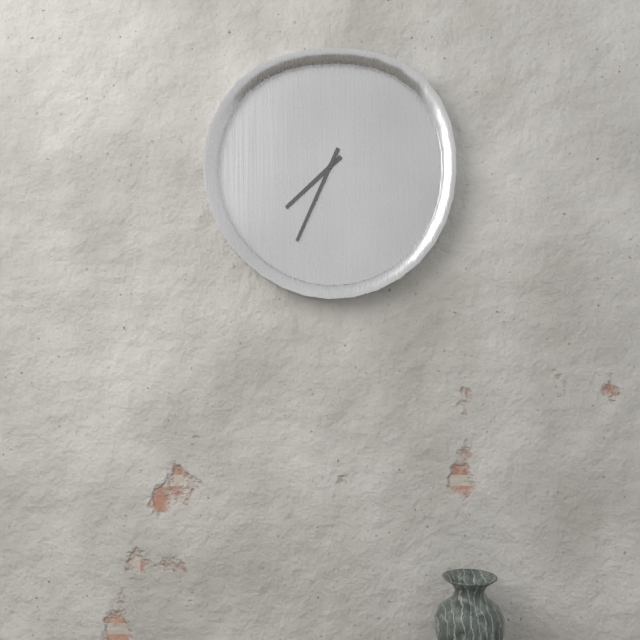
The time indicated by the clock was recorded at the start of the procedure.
7:34
